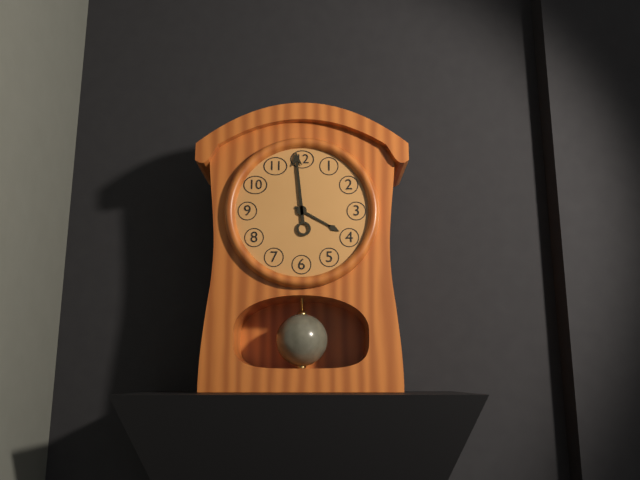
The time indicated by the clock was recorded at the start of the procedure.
3:59
